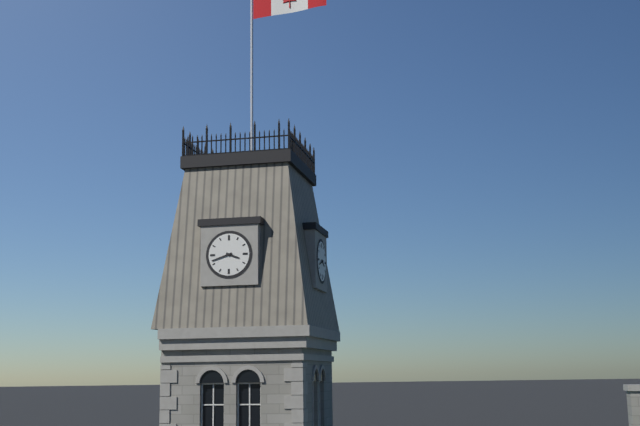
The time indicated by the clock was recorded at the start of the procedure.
3:42
